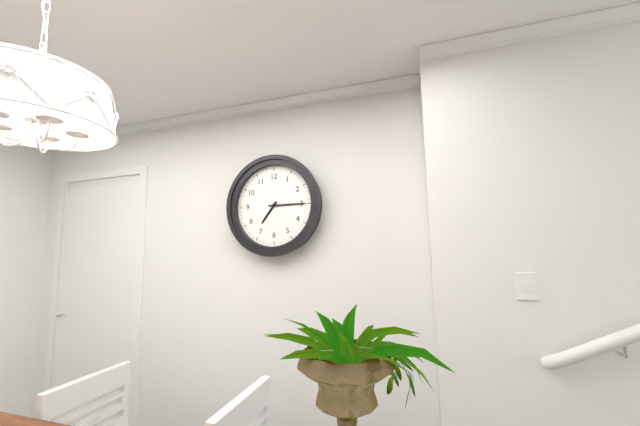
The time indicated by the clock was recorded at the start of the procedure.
7:15
